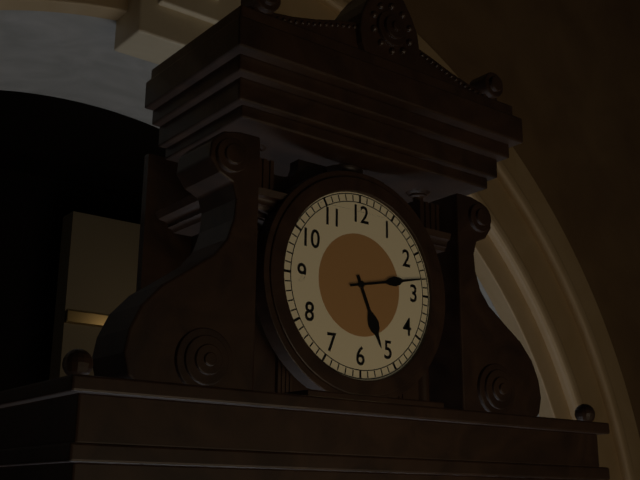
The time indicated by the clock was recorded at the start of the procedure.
5:13
